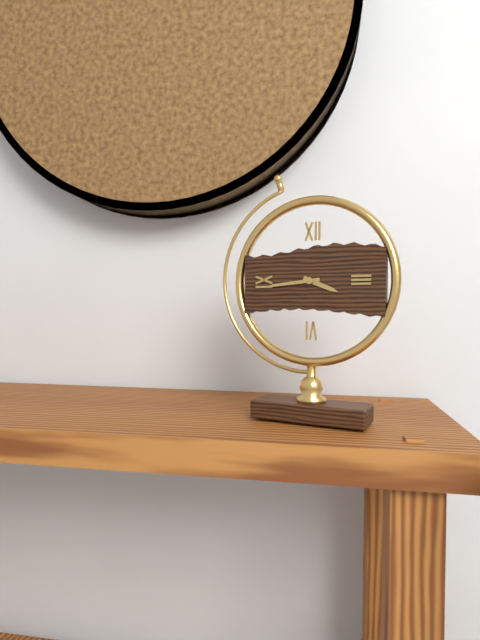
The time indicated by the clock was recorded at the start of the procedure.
3:44
